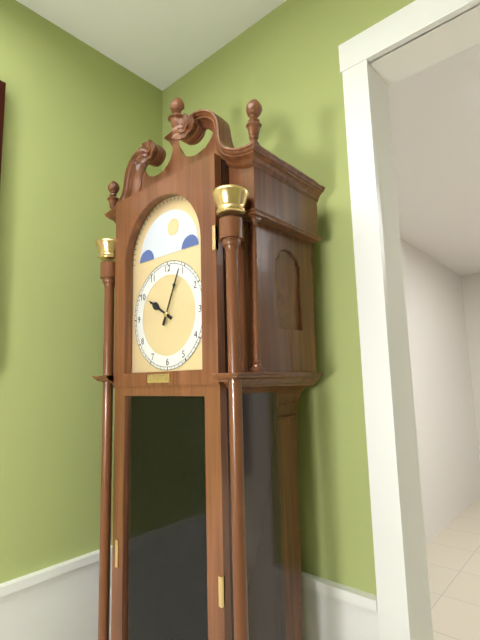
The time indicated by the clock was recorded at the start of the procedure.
10:04
